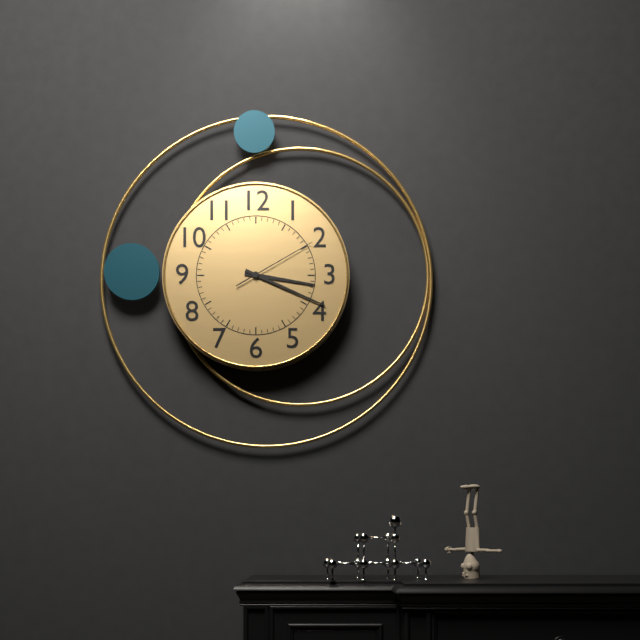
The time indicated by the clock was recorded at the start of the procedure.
3:19:10
